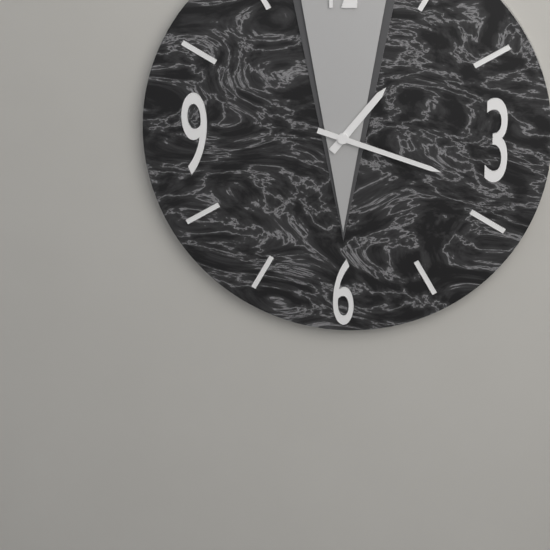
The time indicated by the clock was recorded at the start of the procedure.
1:18
